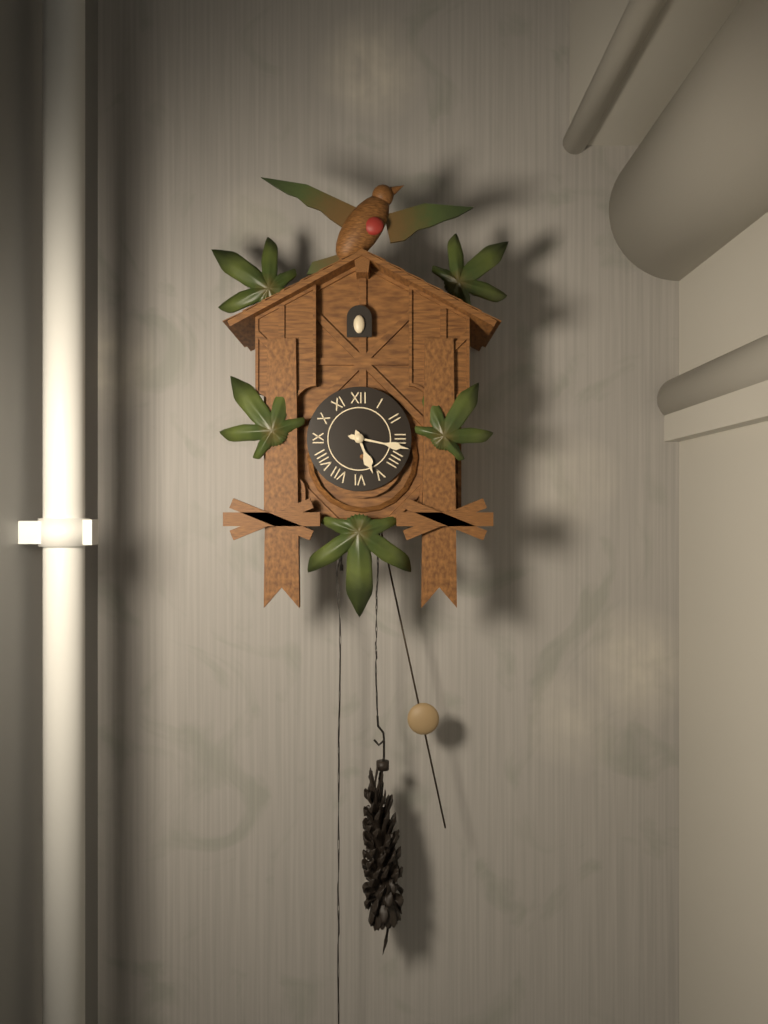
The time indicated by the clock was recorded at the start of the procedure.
5:17
